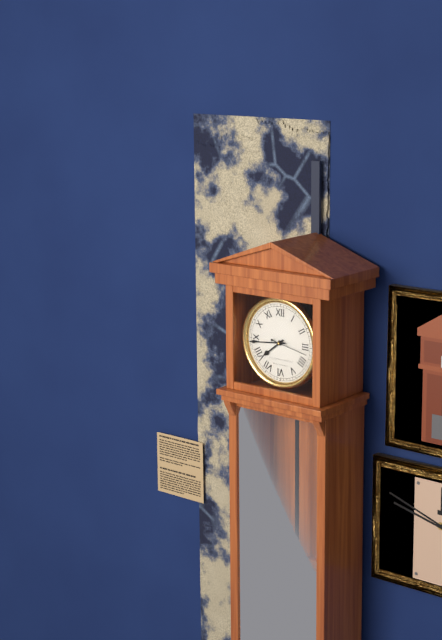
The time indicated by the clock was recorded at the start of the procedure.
7:44
